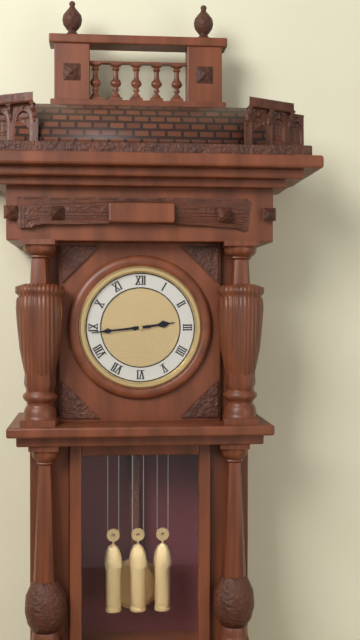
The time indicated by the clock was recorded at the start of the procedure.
2:44
